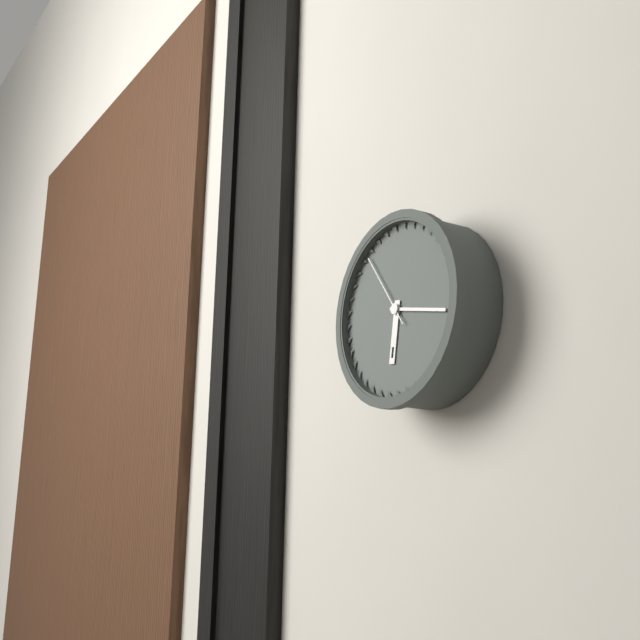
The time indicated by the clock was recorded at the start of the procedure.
6:17:54
